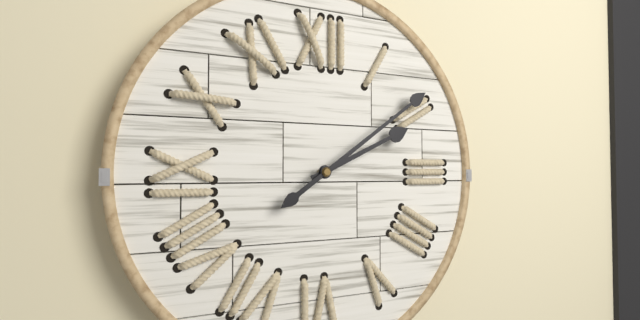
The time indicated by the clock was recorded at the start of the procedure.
2:09
